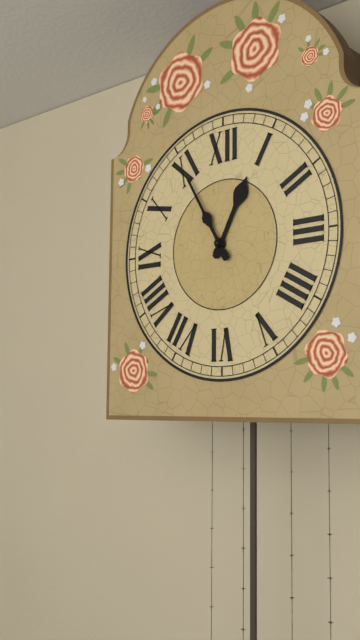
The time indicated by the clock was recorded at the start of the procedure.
12:55
